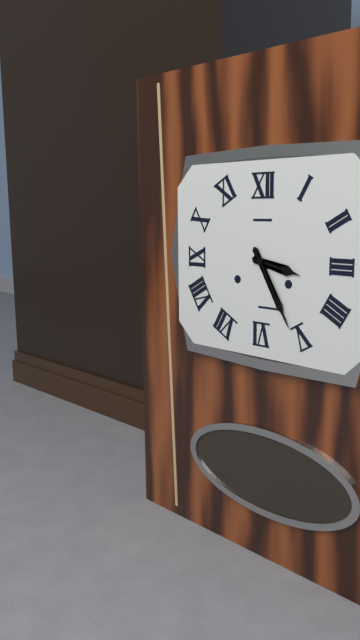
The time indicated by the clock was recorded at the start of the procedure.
3:25
